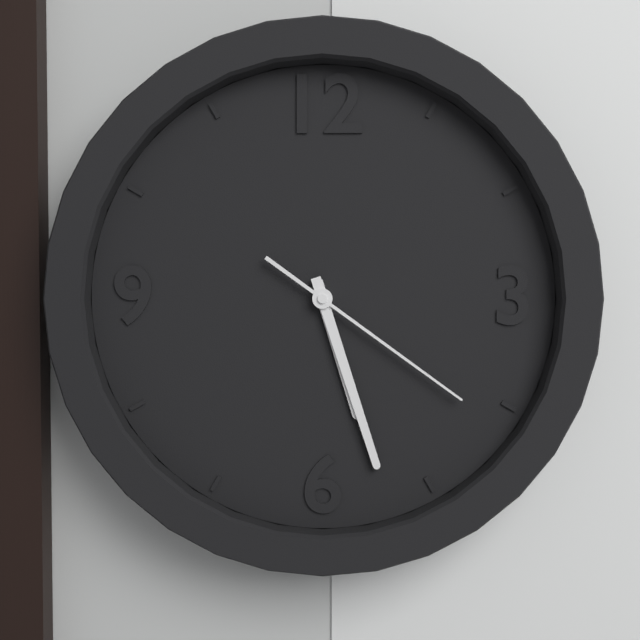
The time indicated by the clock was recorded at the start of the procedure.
5:27:21
